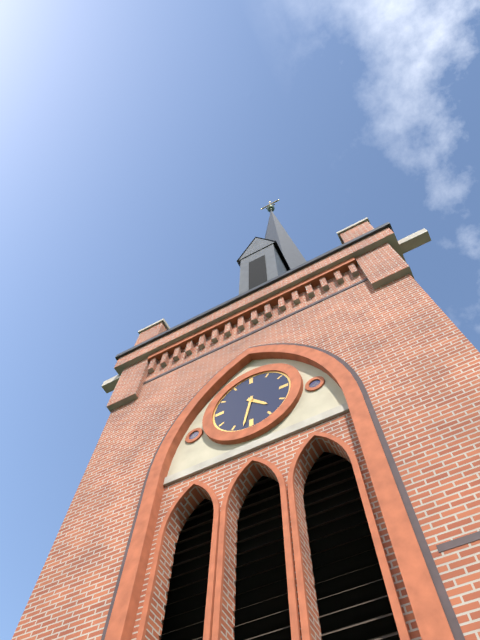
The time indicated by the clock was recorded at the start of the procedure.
4:32
